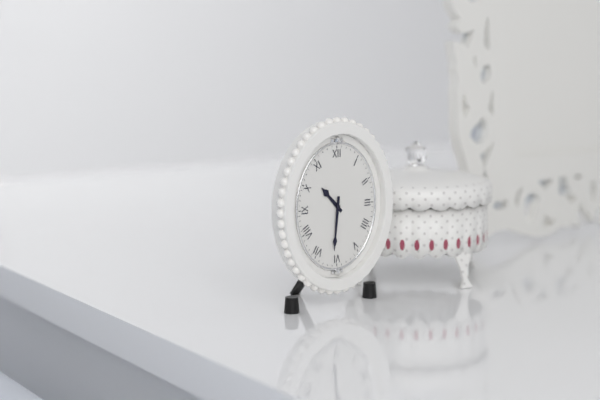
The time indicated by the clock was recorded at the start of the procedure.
10:31
